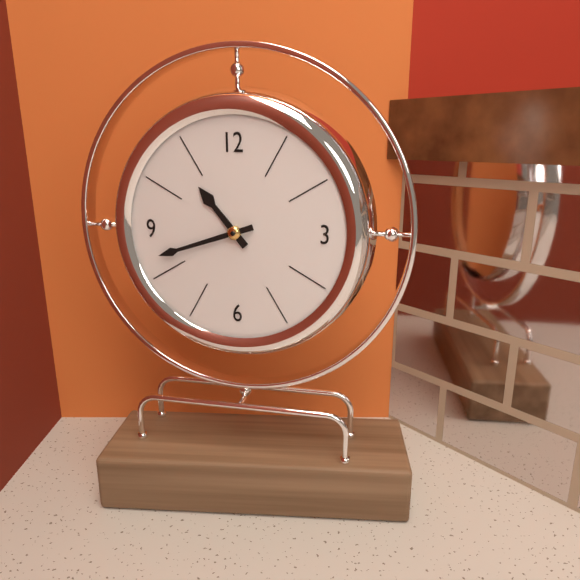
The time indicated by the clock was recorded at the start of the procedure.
10:42
